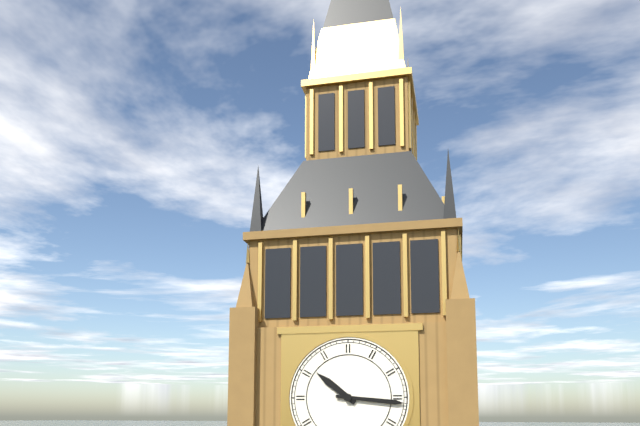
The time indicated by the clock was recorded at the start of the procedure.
10:16
